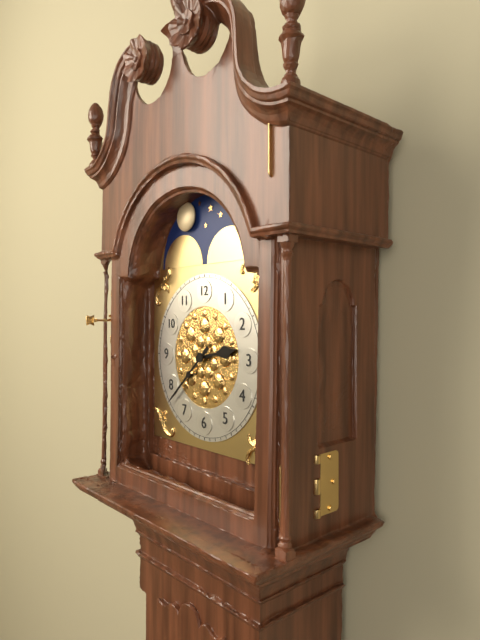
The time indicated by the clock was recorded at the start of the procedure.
2:38
